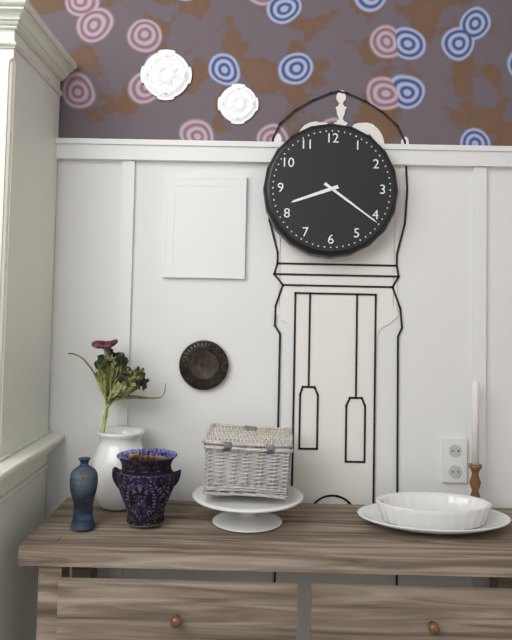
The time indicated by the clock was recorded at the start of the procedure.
8:21
